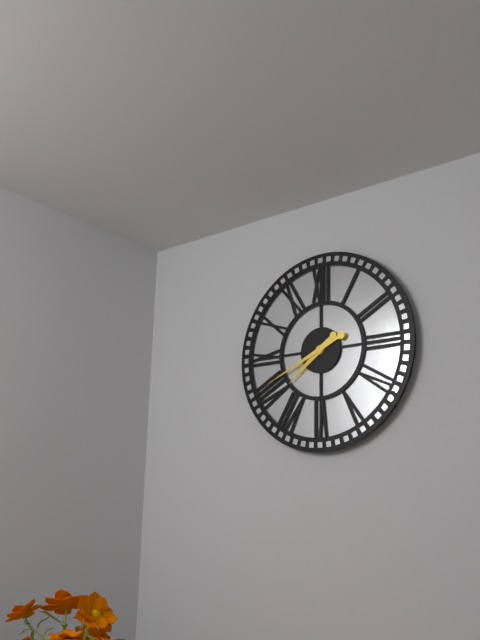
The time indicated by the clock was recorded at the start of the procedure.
7:41
